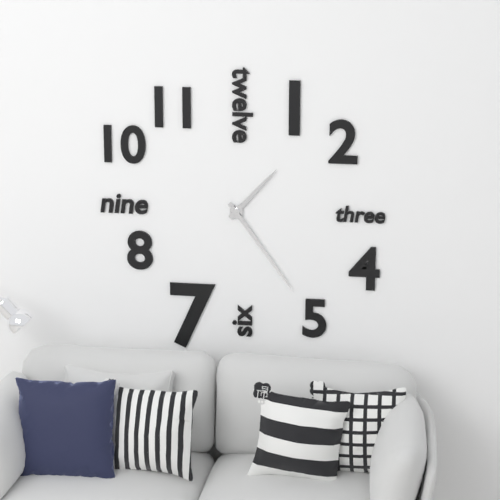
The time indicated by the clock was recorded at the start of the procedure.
1:24
